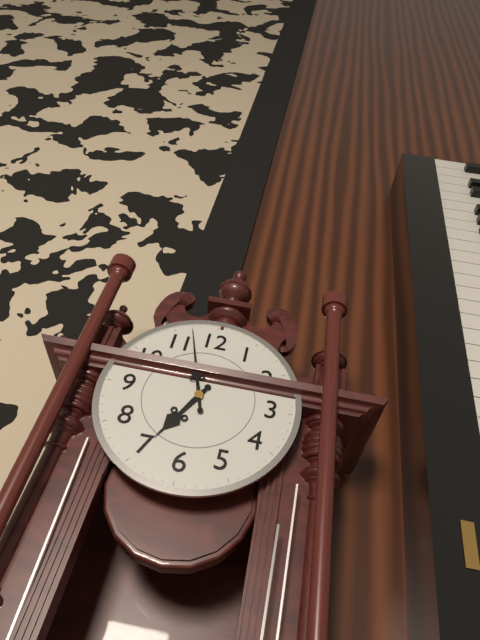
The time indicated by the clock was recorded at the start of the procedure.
6:57
